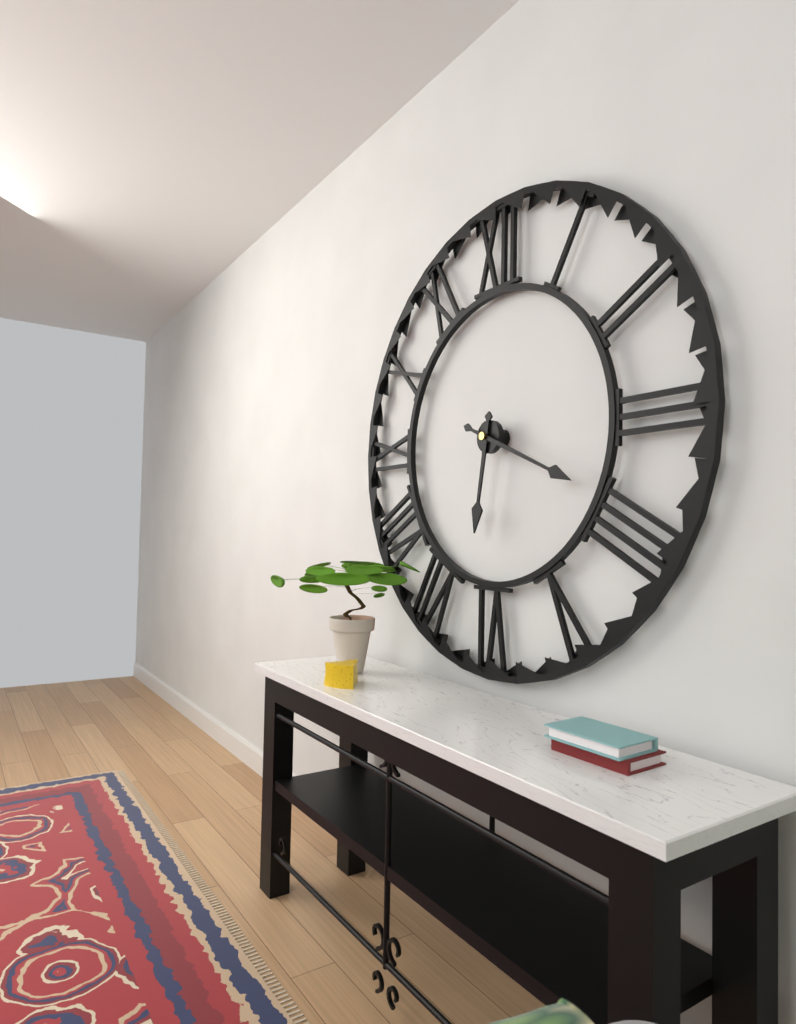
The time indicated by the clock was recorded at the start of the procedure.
6:19
